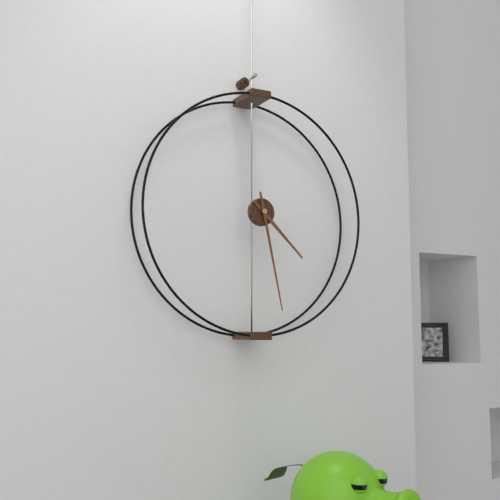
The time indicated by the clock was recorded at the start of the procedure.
4:28
